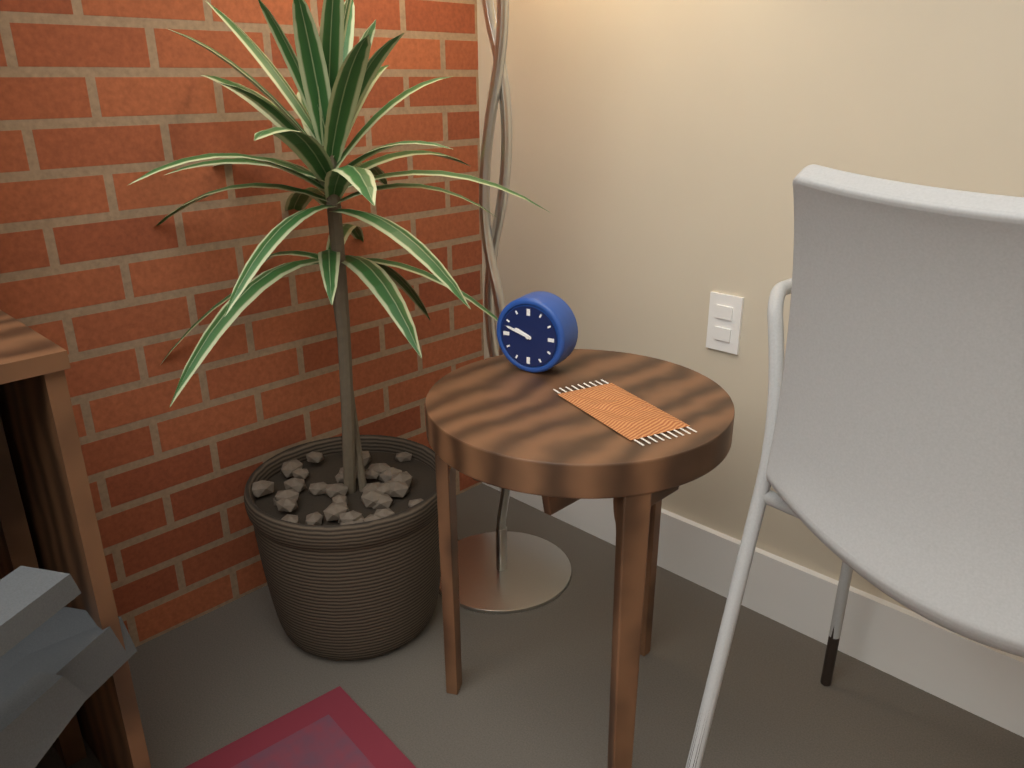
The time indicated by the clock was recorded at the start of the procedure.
9:48
